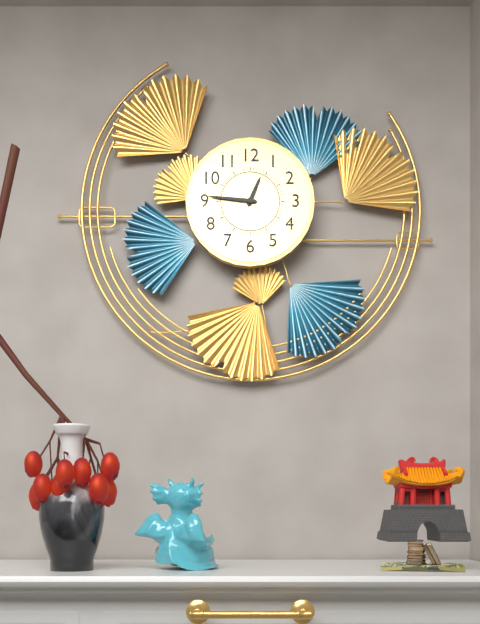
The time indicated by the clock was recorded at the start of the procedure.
12:46
